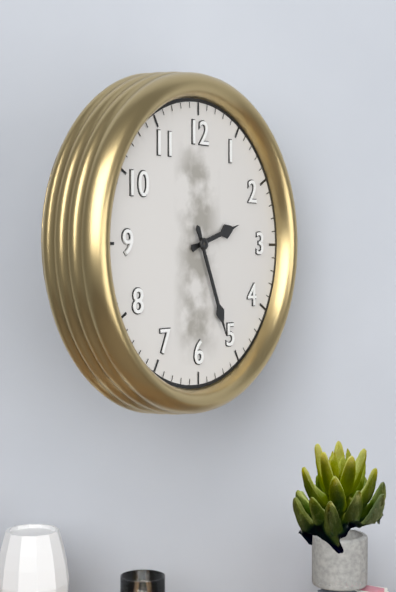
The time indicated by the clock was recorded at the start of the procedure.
2:26
